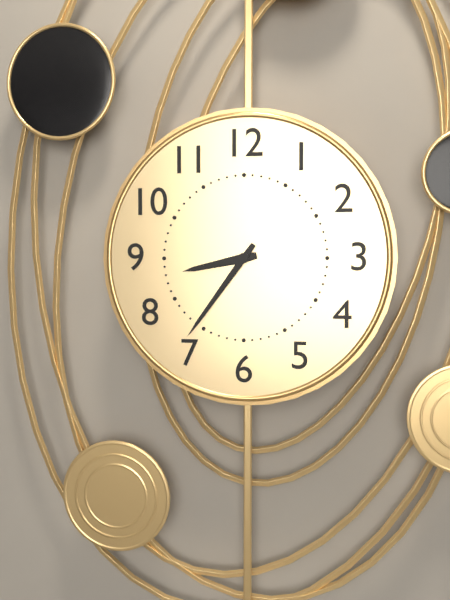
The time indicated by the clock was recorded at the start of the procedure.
8:36
